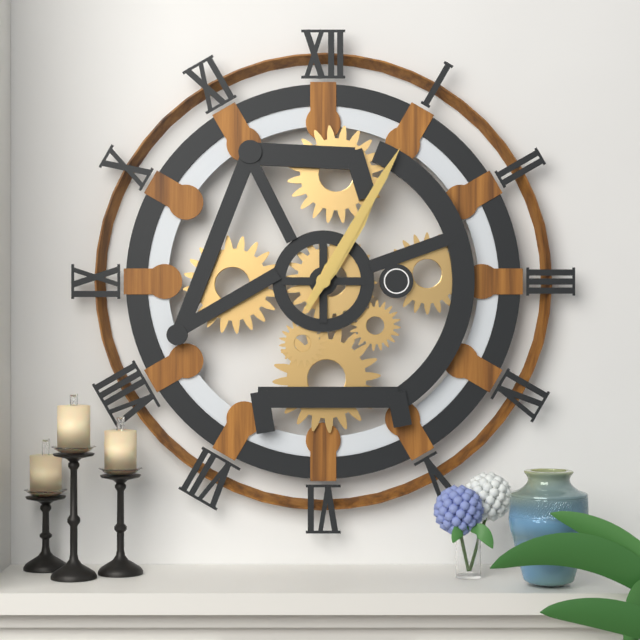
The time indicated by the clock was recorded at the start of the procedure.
1:05
